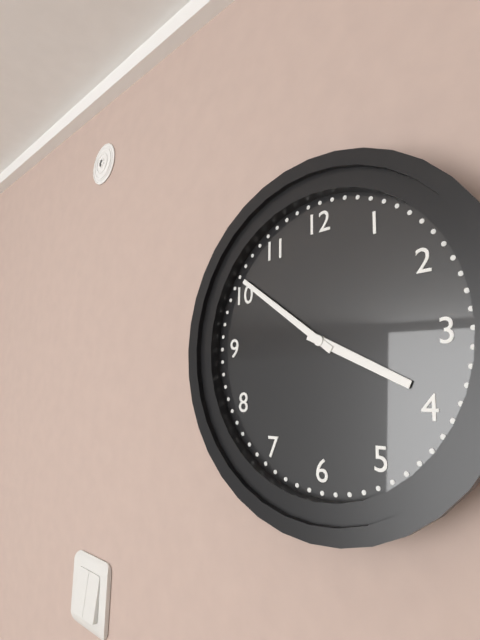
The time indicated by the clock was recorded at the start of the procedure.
3:51
